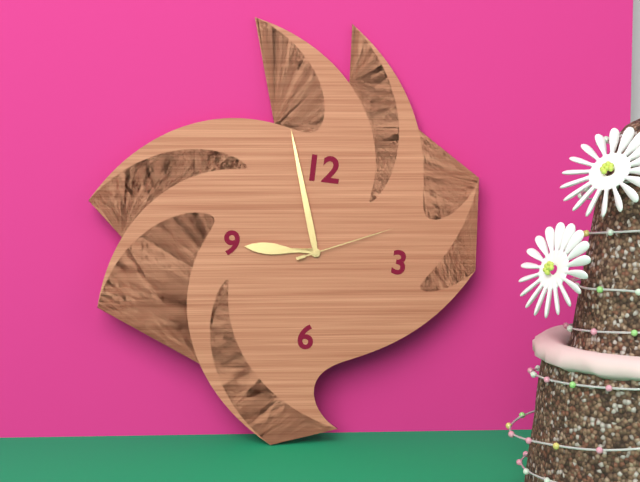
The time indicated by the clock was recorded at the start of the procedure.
8:57:11
